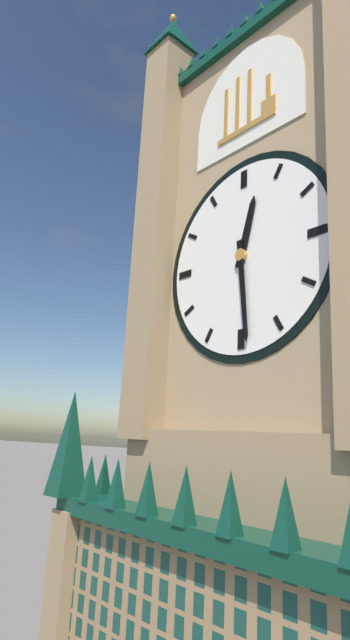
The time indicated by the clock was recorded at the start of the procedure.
12:29
